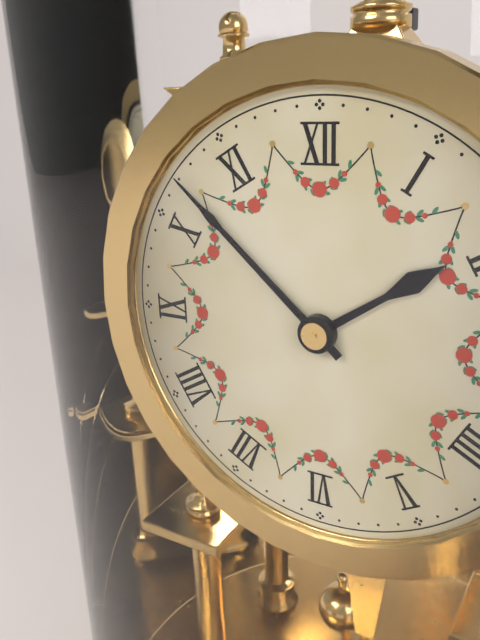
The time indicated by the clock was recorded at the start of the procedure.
1:52
